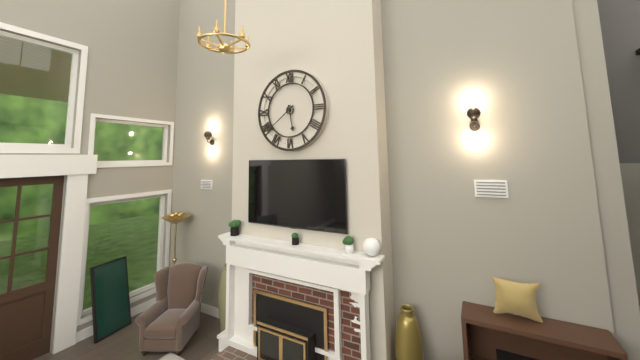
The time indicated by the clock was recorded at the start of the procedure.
5:39
